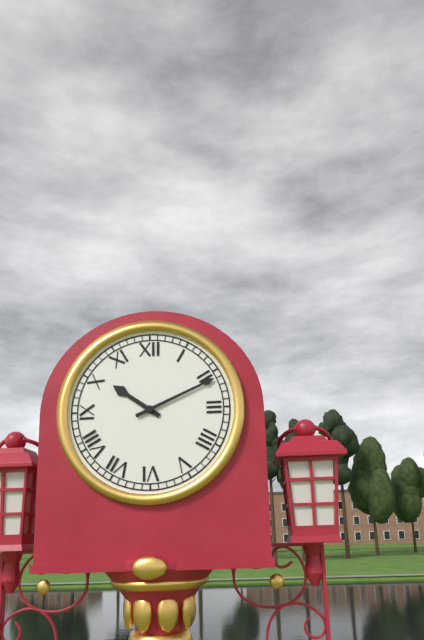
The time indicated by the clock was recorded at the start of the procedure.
10:11
